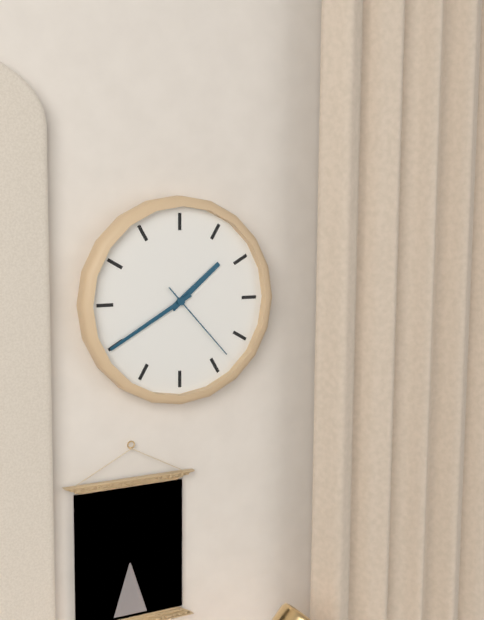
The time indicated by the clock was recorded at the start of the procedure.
1:40:23
